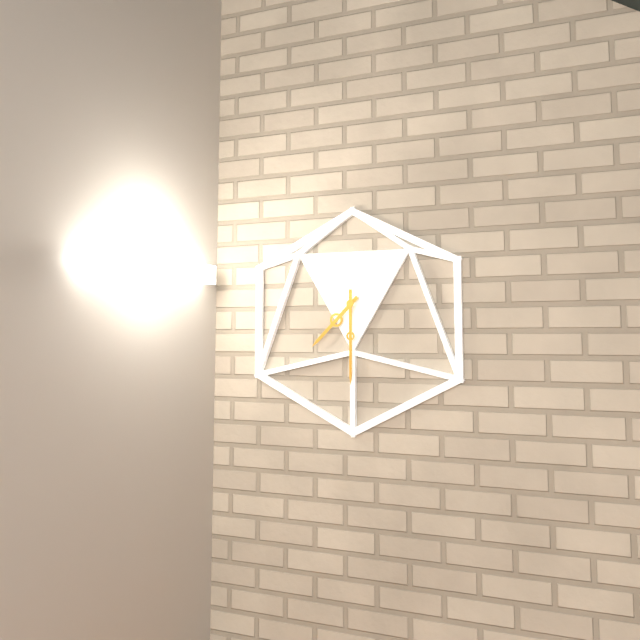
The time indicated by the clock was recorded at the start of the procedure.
7:30
